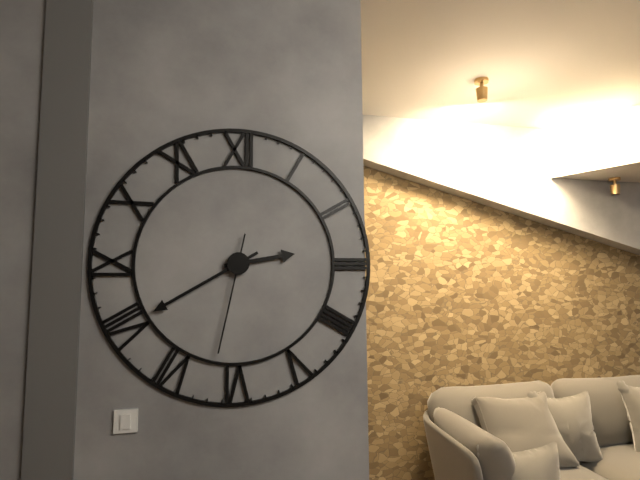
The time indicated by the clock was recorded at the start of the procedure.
2:40:32
